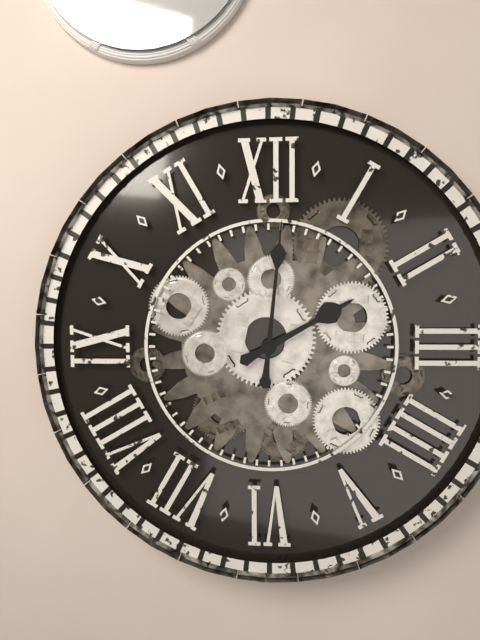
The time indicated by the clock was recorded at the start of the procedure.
2:01
